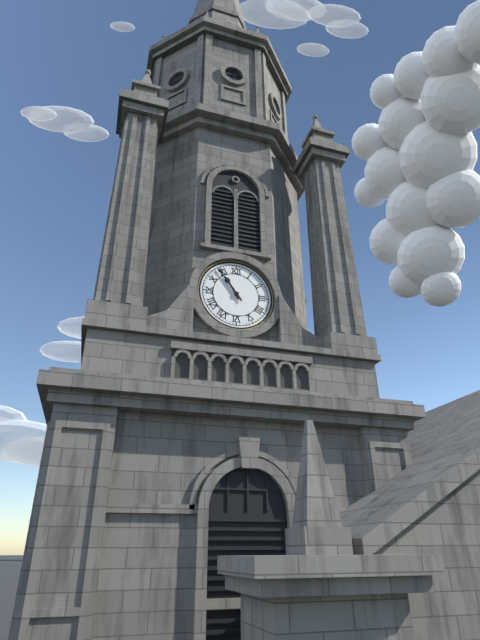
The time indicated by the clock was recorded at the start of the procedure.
10:54
